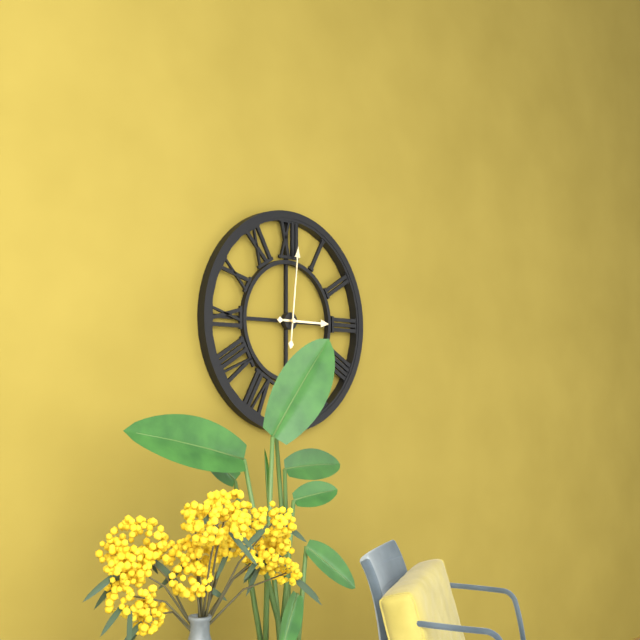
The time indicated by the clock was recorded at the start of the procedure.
3:01
